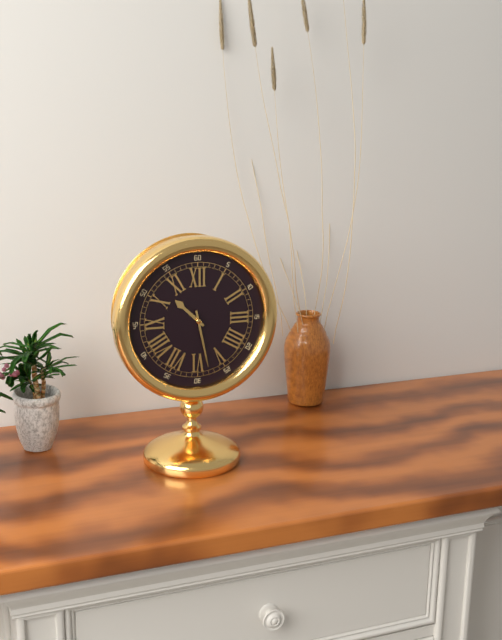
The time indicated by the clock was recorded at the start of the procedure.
10:28
